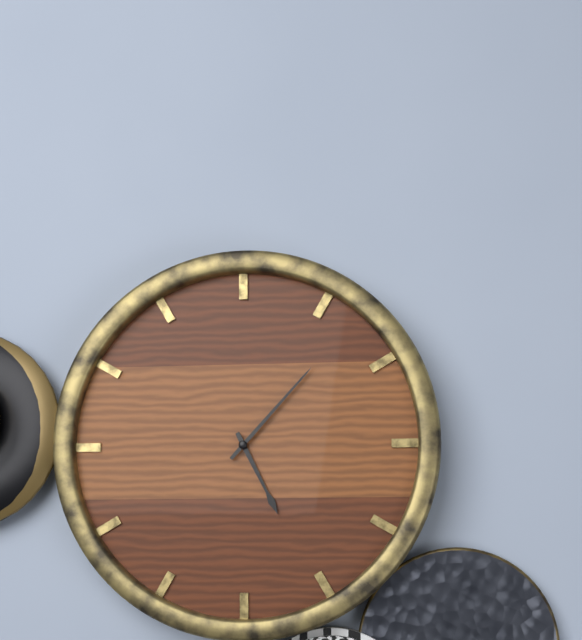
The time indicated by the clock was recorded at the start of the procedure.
5:07
